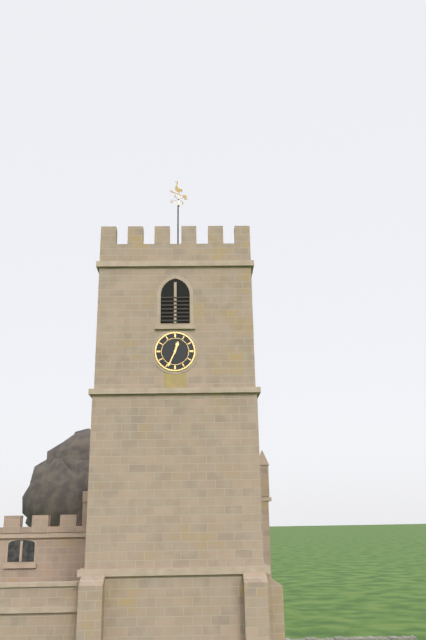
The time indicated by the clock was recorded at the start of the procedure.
12:34
